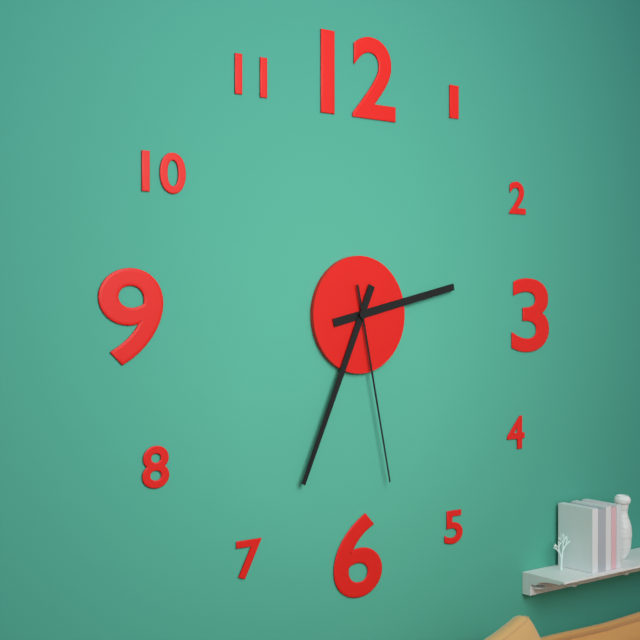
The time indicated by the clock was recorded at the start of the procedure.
2:34:28
